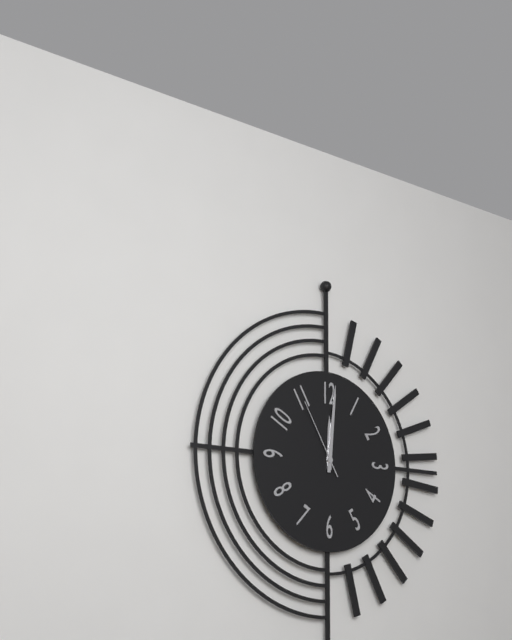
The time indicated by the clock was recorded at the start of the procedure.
12:01:55
